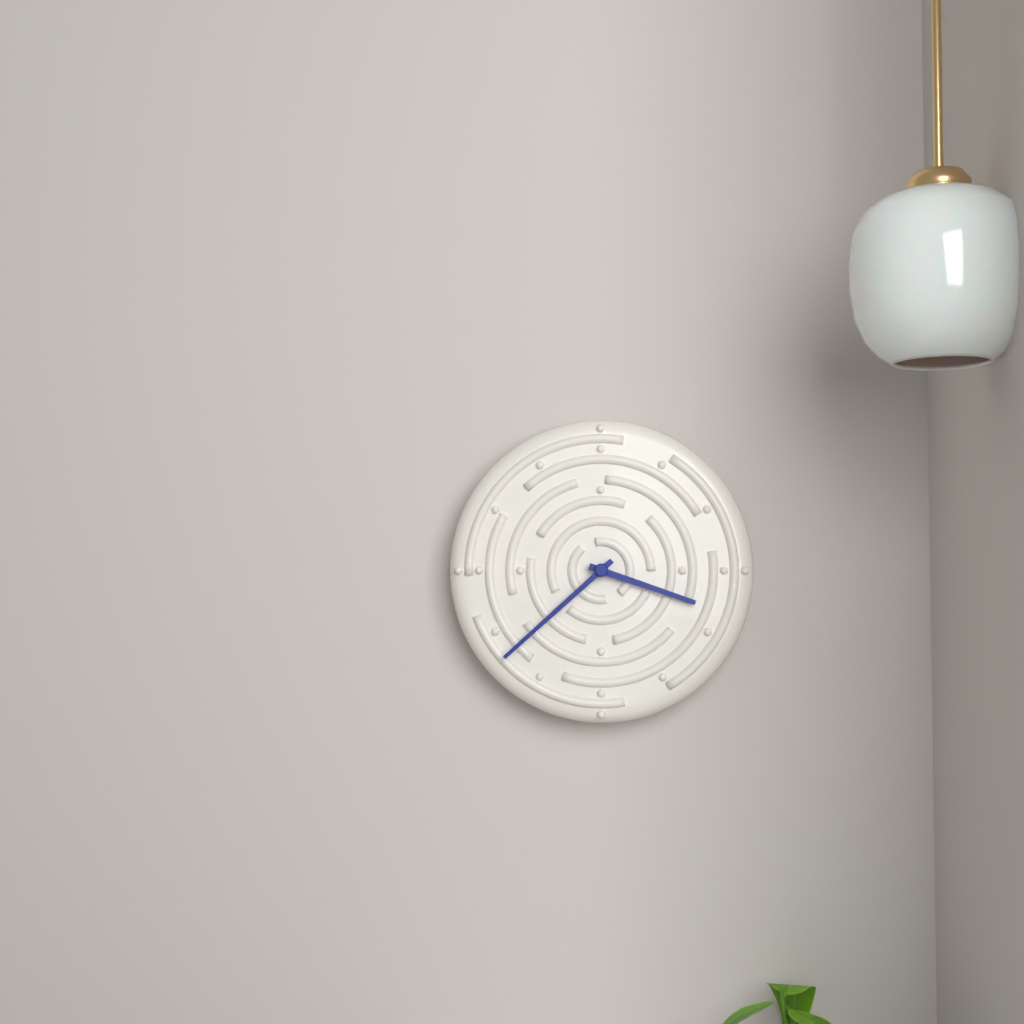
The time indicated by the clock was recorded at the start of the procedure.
3:38
